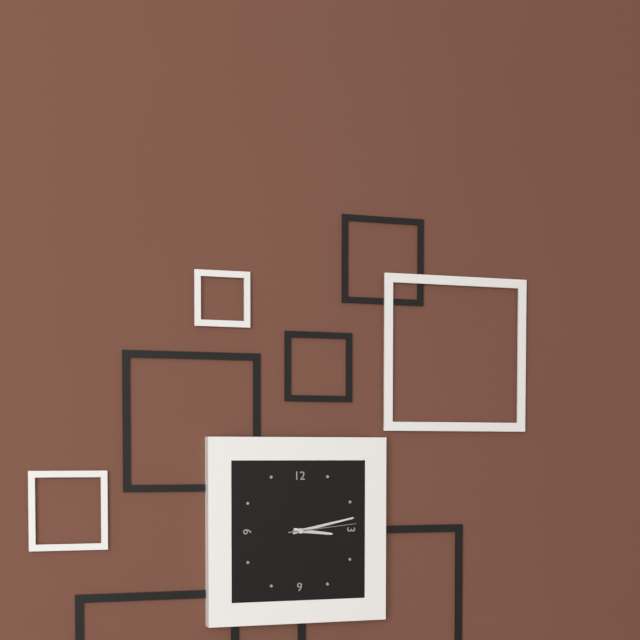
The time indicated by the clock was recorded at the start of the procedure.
3:13:14
